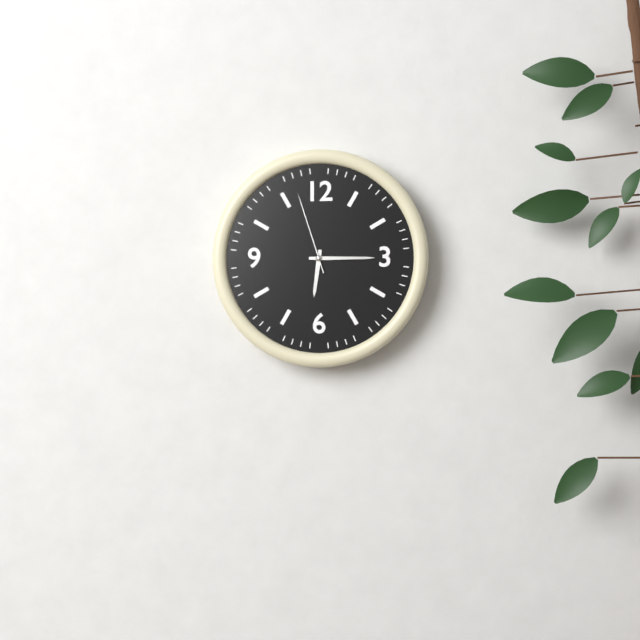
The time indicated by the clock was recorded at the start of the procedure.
6:15:57
